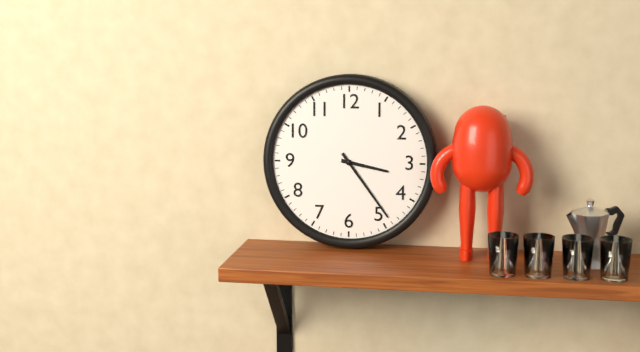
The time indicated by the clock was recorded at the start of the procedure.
3:24
